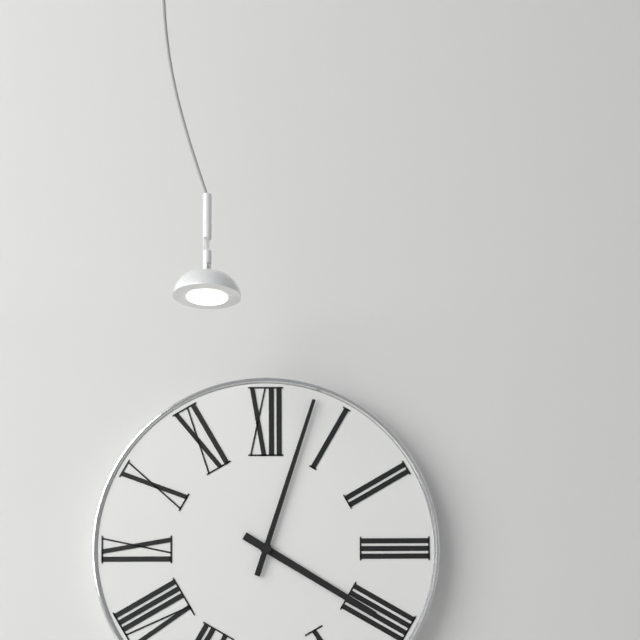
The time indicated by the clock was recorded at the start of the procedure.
4:03
